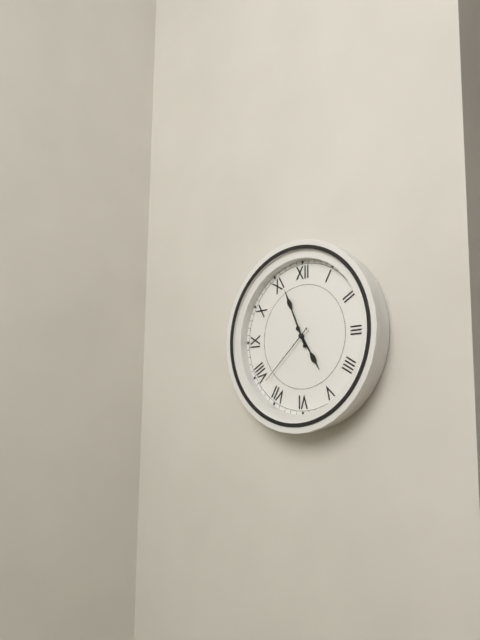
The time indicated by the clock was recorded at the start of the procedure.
4:56:38
